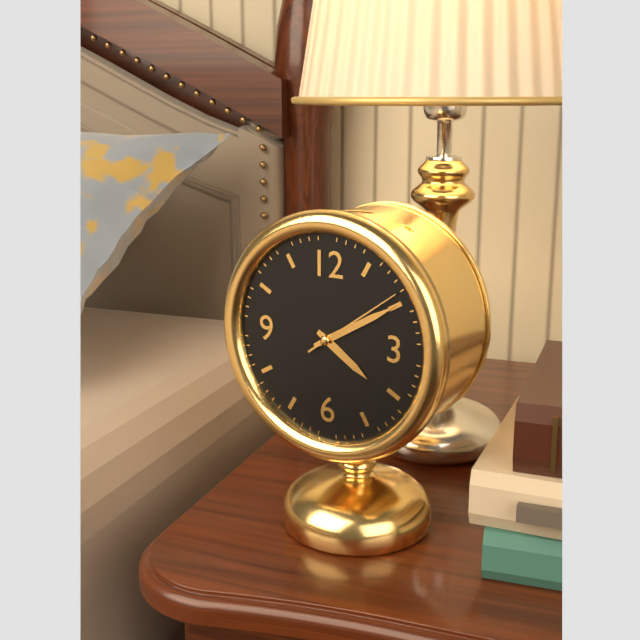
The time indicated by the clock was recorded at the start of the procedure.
4:10:09
